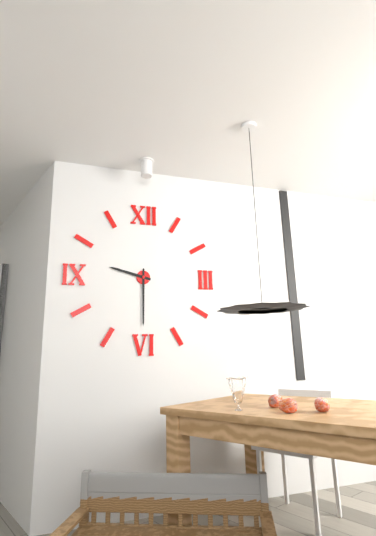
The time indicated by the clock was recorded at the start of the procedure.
9:30
